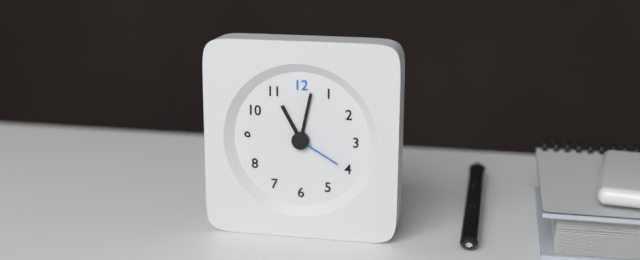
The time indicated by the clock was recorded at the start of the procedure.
11:02:20
